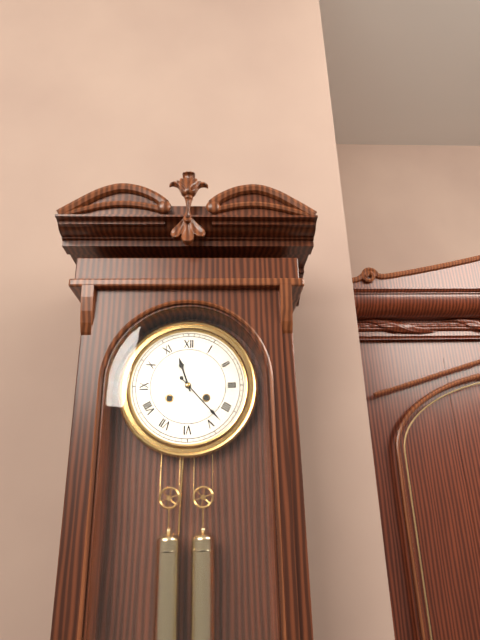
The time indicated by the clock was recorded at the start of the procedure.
11:23
